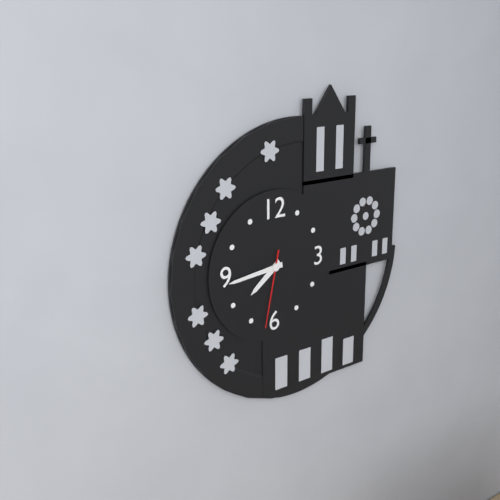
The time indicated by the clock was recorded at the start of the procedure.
7:44:32
